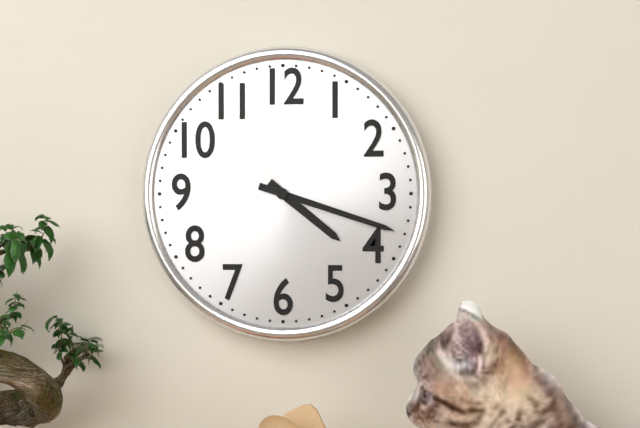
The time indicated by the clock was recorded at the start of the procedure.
4:18
